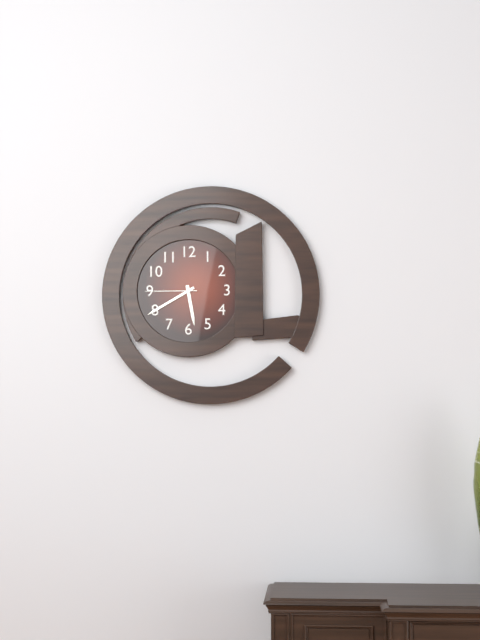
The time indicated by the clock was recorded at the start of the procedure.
5:40:45
